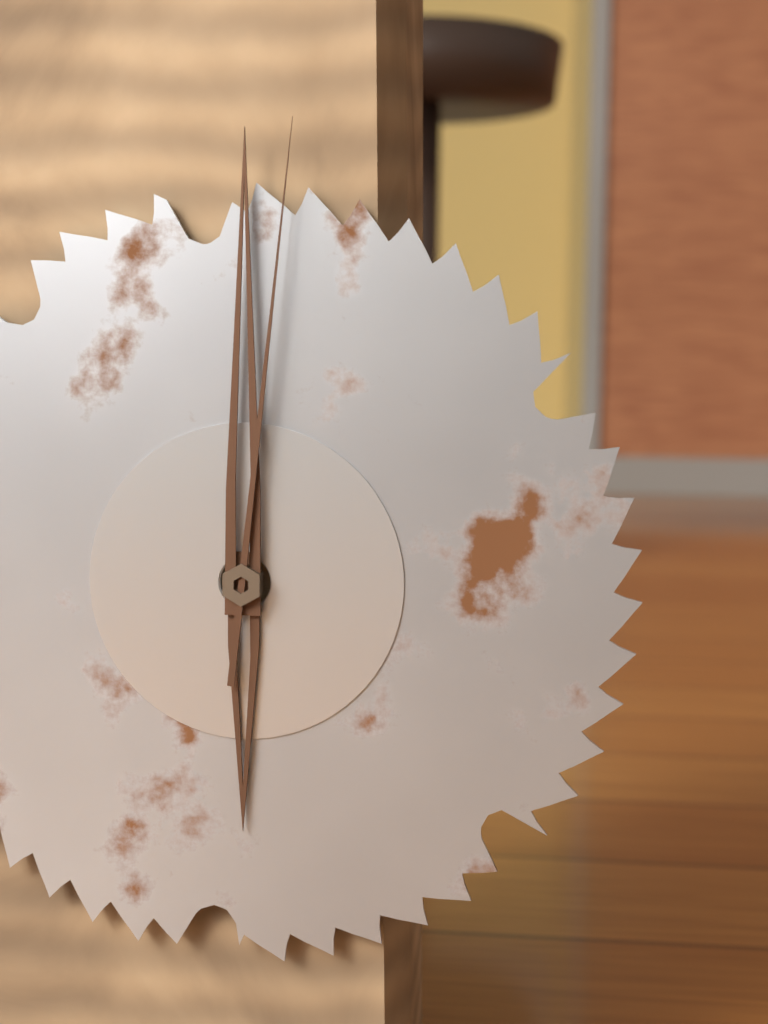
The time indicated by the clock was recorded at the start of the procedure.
6:00:01
